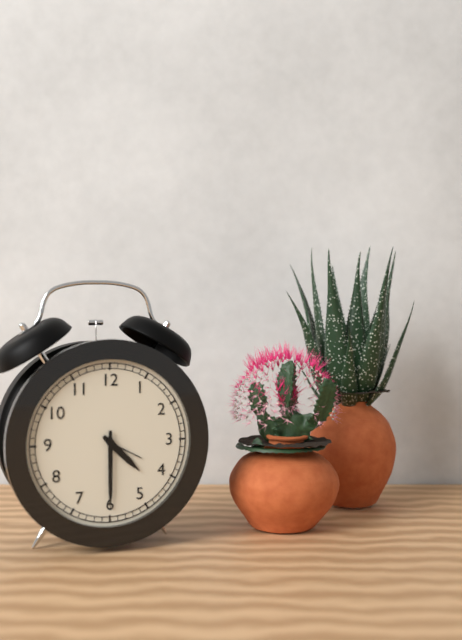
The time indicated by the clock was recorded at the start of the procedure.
4:30
